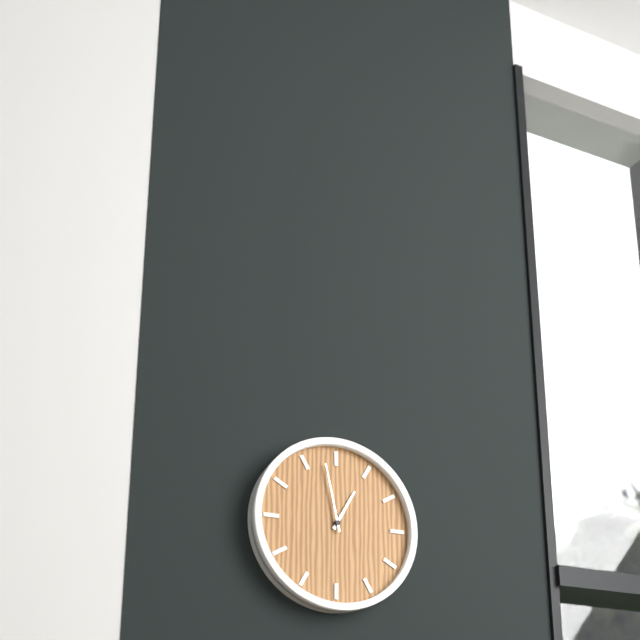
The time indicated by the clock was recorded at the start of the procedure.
12:58
